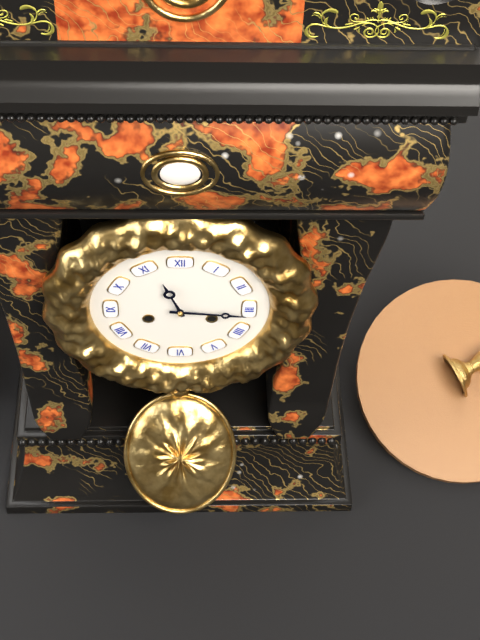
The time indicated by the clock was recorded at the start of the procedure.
11:16
